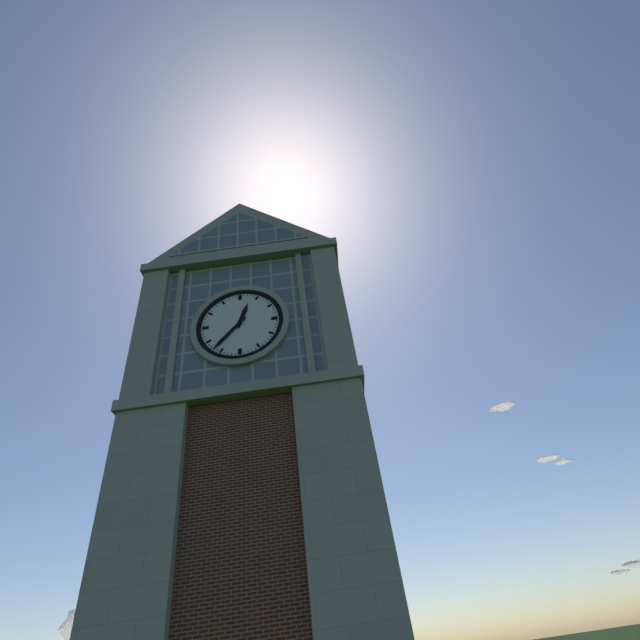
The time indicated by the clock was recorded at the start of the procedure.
12:37
